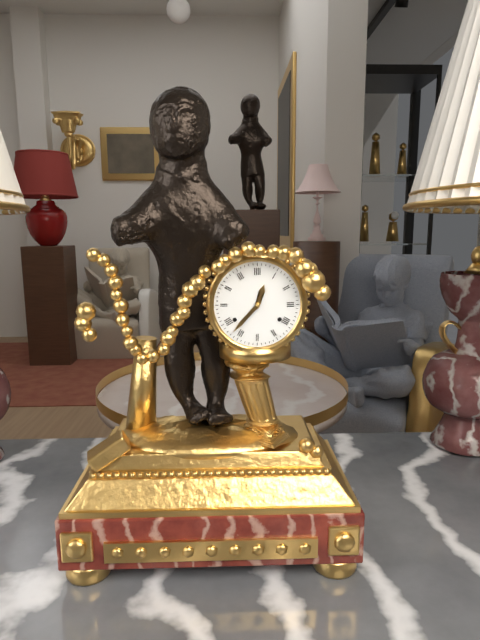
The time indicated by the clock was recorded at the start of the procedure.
12:37
